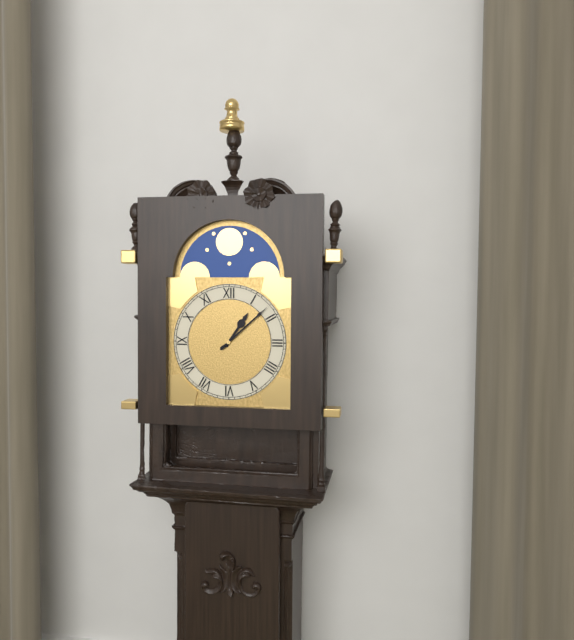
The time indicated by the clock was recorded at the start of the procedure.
1:08
